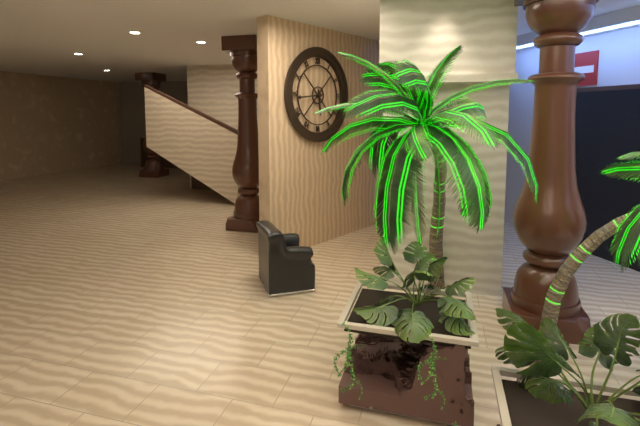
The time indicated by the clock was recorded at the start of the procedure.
5:44
